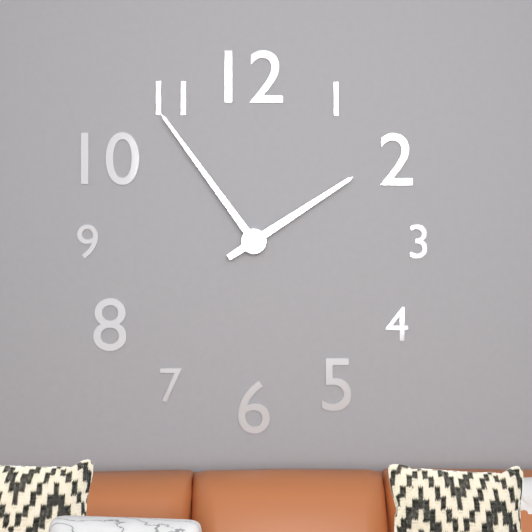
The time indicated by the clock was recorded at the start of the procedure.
1:54
